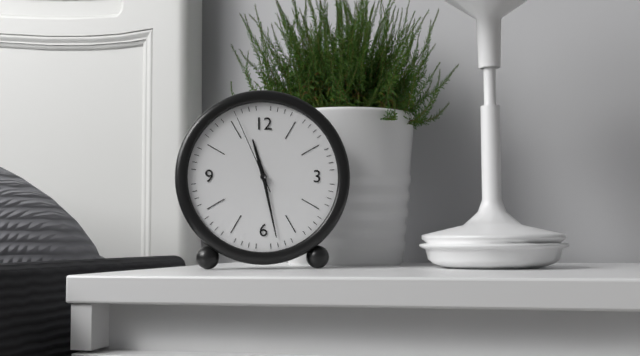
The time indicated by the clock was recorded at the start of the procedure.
11:28:56
